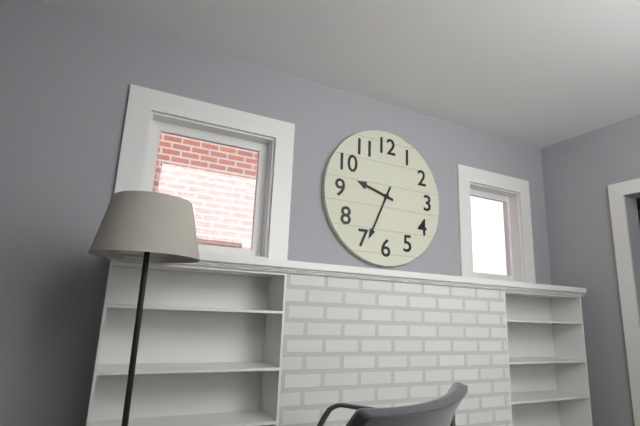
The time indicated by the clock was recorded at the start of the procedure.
9:34
